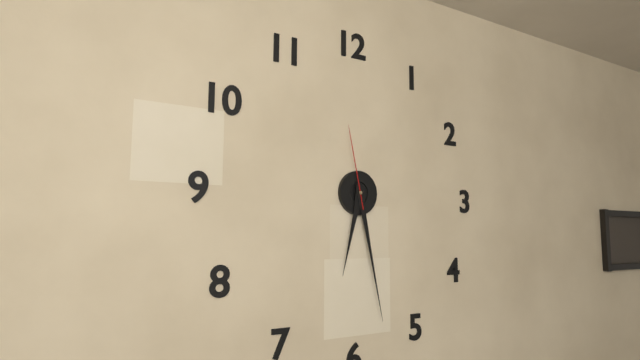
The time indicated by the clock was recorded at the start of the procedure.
6:28:58
